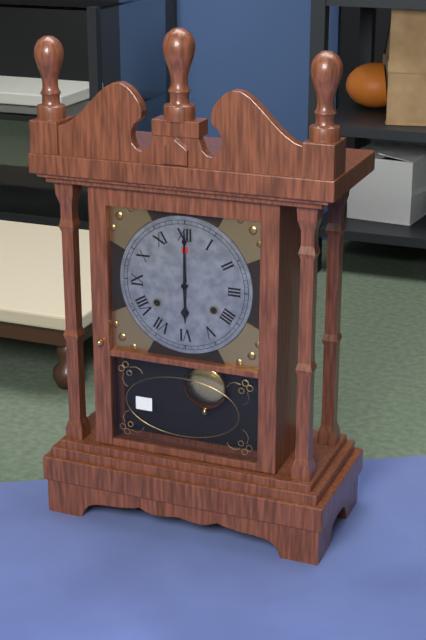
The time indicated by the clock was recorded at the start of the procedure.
6:00
